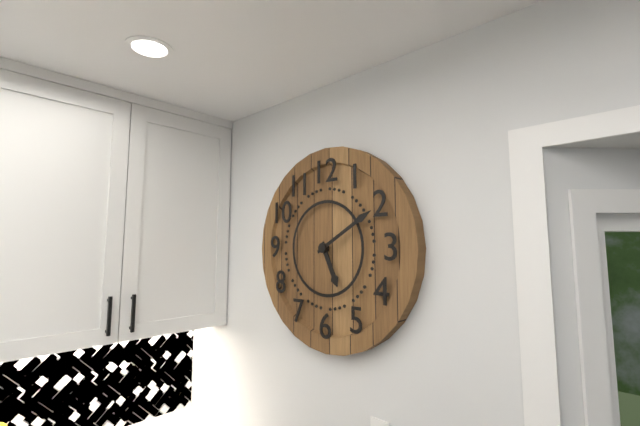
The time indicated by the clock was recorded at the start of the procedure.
5:10
